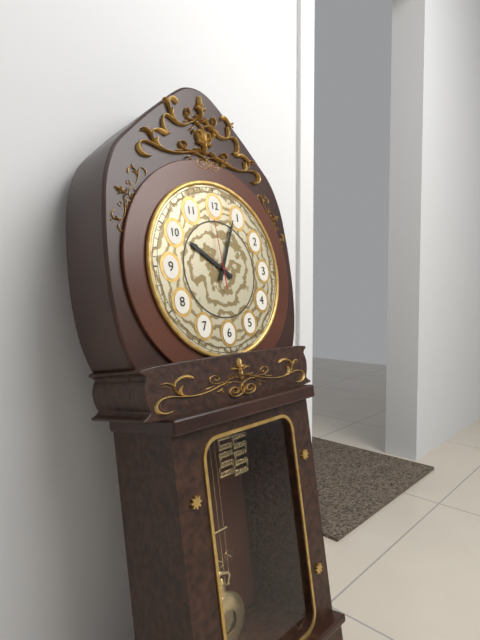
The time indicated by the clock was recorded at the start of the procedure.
10:04:59
